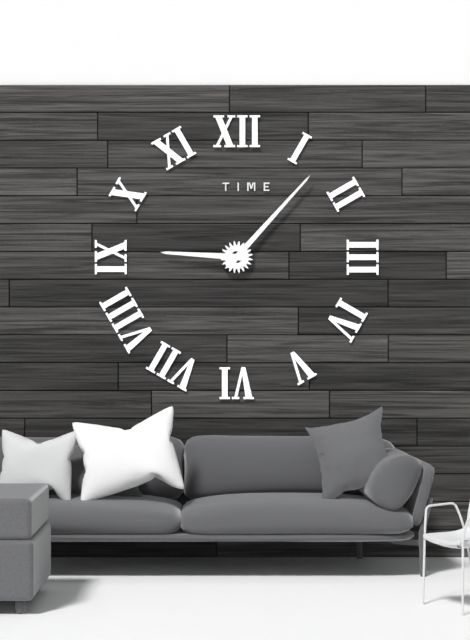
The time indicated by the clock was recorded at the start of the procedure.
9:07
